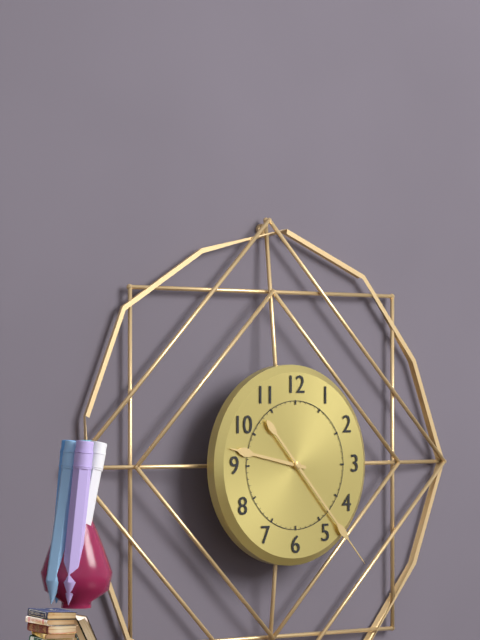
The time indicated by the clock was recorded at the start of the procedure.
9:23
